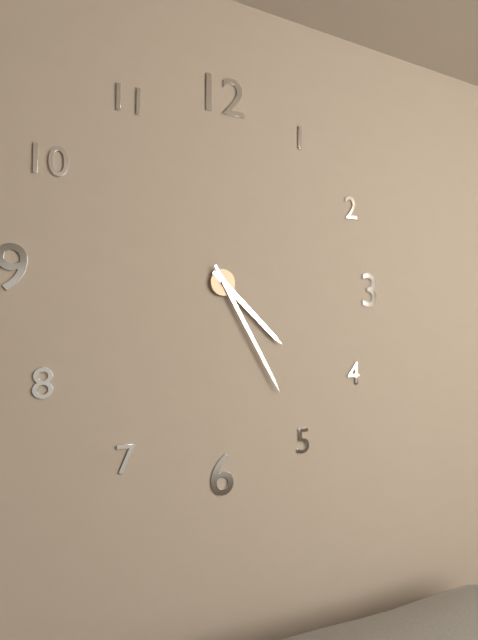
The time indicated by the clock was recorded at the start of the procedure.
4:25
